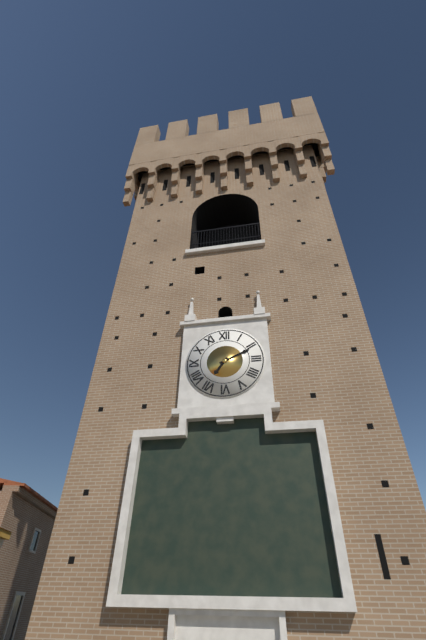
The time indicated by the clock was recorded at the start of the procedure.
7:11
